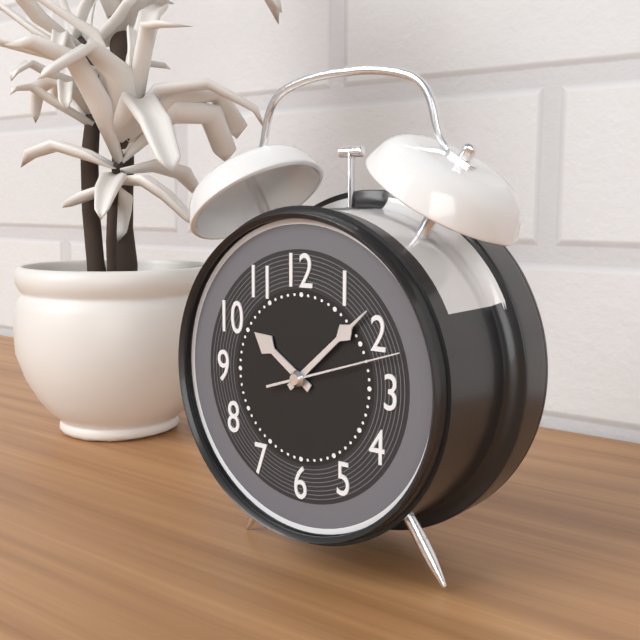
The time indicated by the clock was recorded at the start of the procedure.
10:08:12
